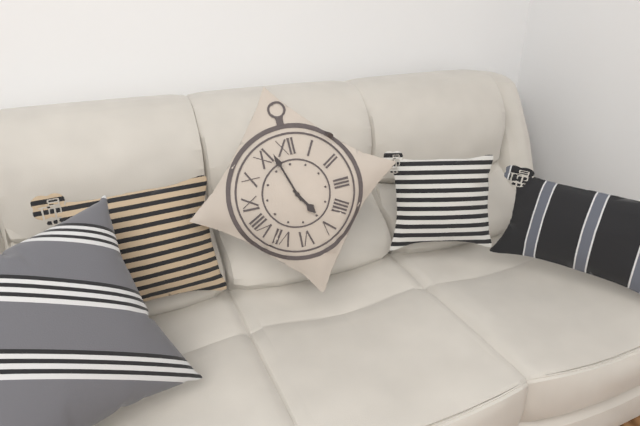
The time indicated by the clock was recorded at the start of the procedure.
4:57
